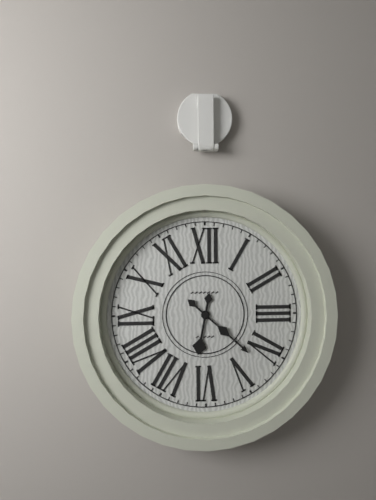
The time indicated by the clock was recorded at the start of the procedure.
6:22
